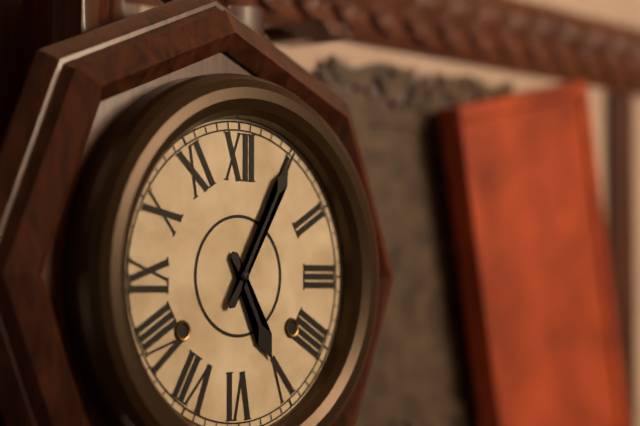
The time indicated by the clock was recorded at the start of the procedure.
5:05
